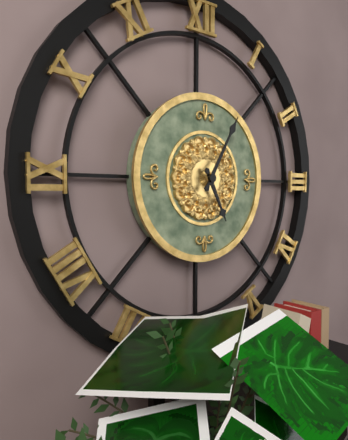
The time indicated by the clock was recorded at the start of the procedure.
5:05
